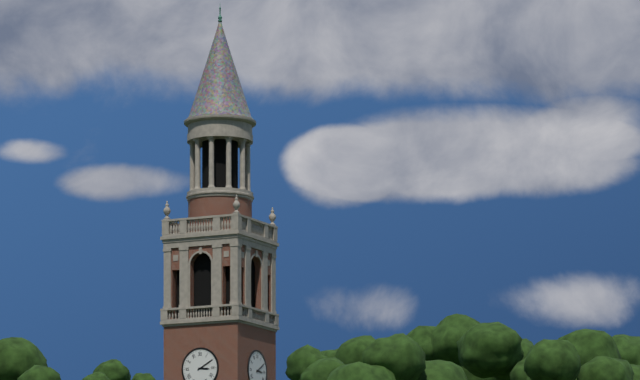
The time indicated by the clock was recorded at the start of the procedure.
3:10
